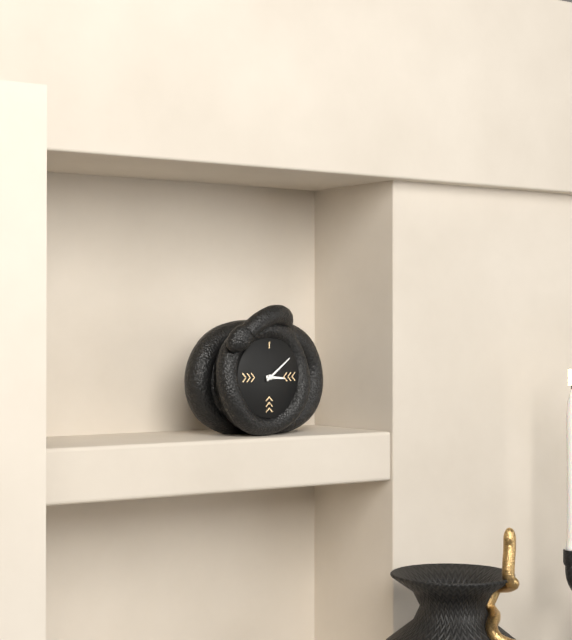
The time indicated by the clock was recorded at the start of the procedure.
3:09
